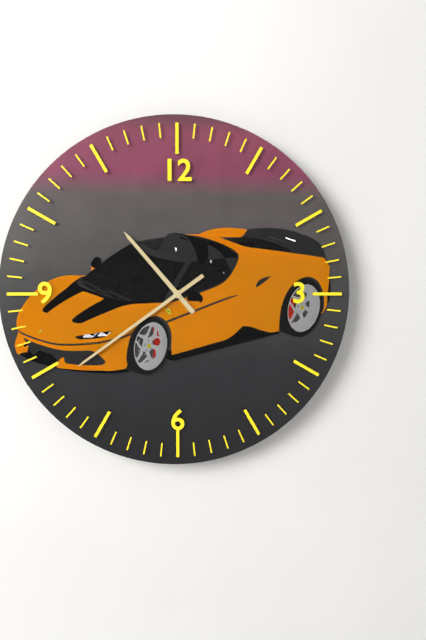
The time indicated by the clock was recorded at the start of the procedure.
10:39
